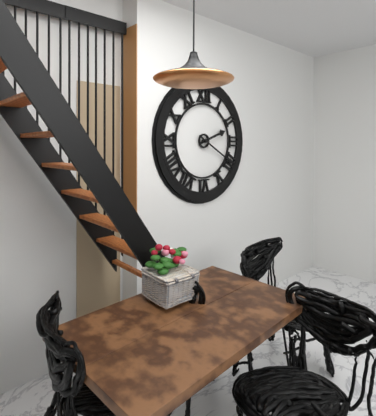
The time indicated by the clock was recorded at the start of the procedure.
2:20
